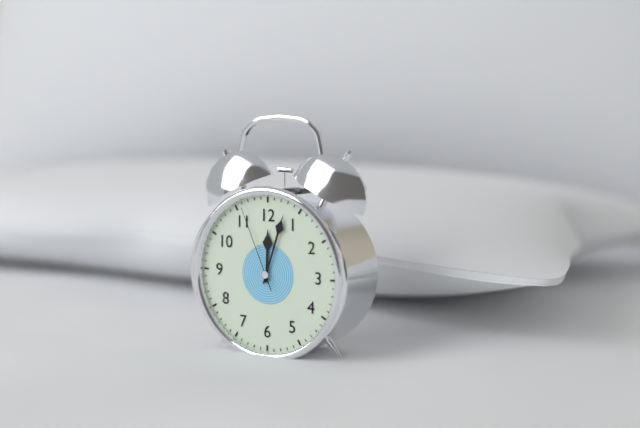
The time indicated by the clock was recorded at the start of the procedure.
12:03:56
